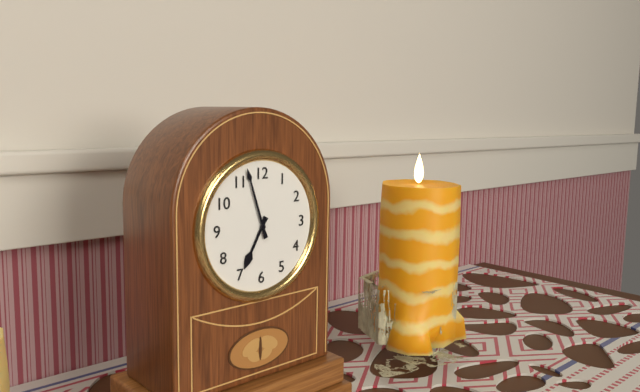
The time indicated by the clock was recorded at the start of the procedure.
6:57
